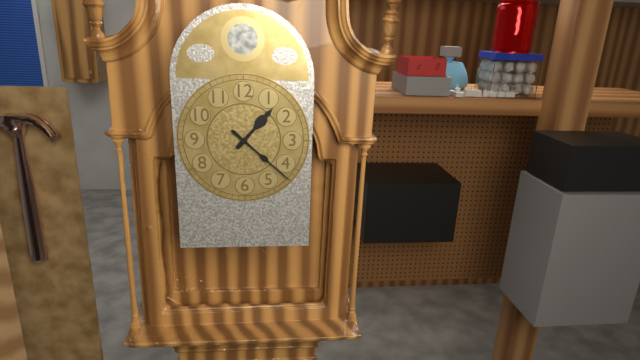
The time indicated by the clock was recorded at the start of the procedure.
1:22
